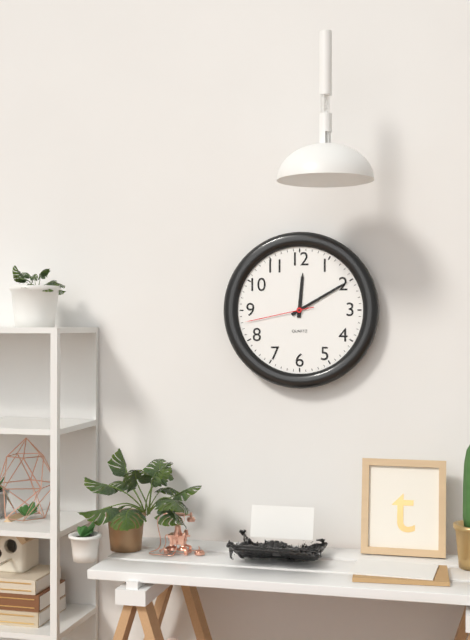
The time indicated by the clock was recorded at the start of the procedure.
12:10:43
